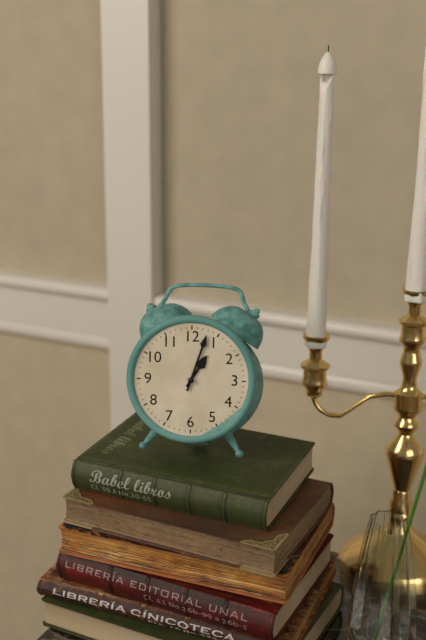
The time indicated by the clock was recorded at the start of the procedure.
1:03
